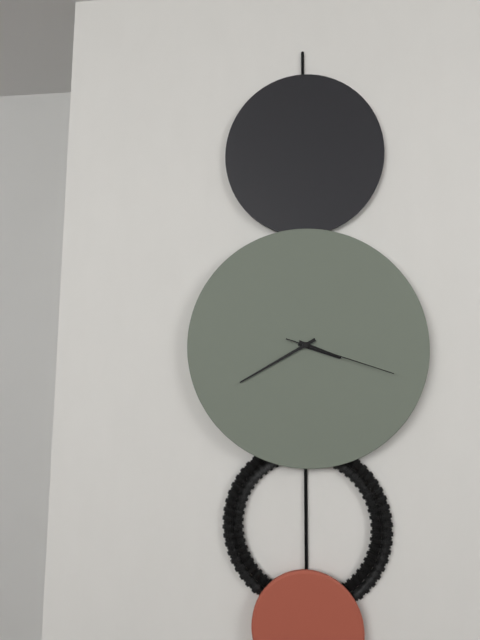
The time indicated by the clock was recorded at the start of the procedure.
3:40:18
